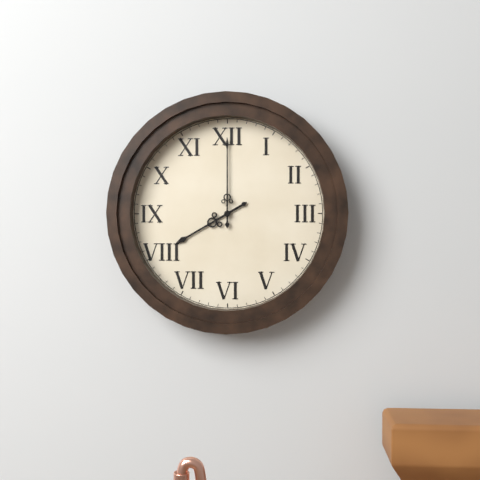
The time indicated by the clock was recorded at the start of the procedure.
8:00
